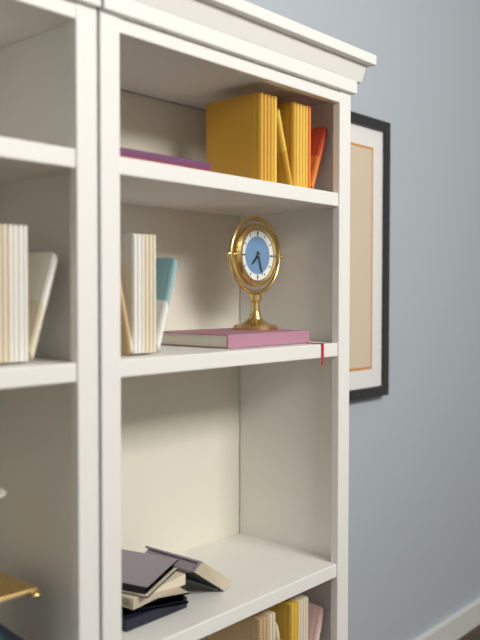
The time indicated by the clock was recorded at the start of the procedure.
7:27
